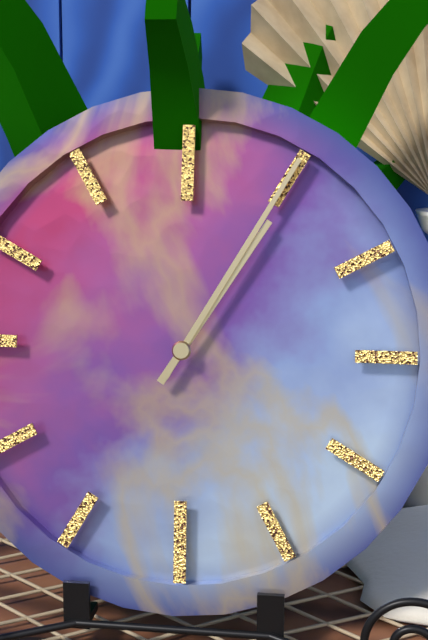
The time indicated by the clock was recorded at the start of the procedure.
1:05
